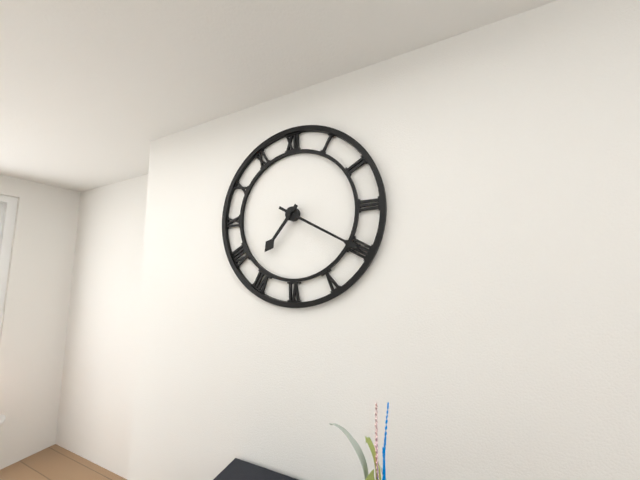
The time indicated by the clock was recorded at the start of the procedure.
7:20
